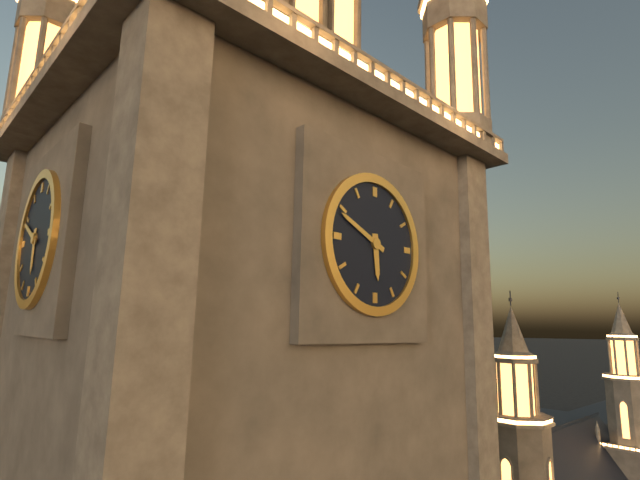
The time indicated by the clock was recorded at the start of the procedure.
5:49
